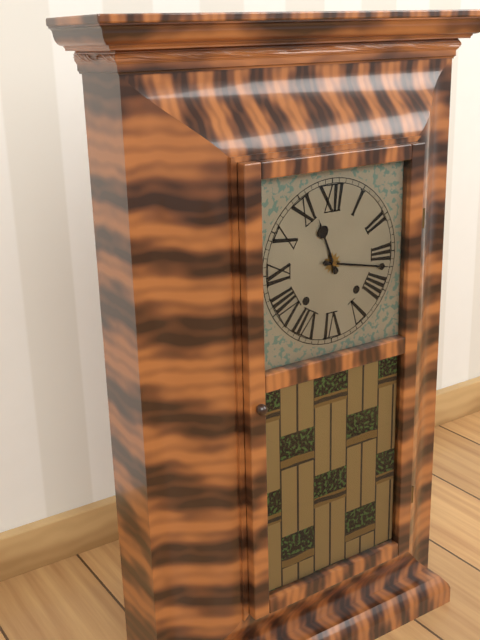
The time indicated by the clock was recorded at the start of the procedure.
11:17
